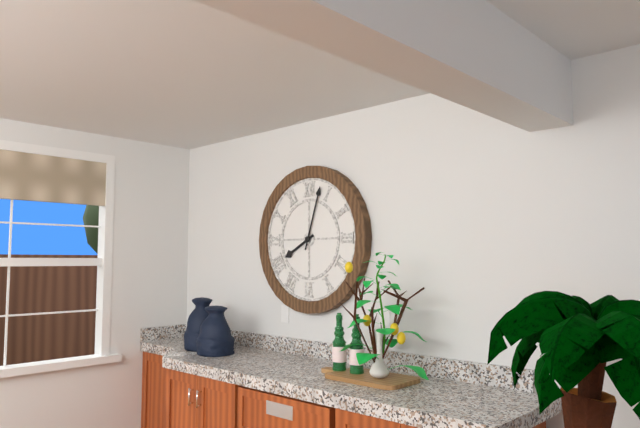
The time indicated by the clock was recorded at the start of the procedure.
8:03
